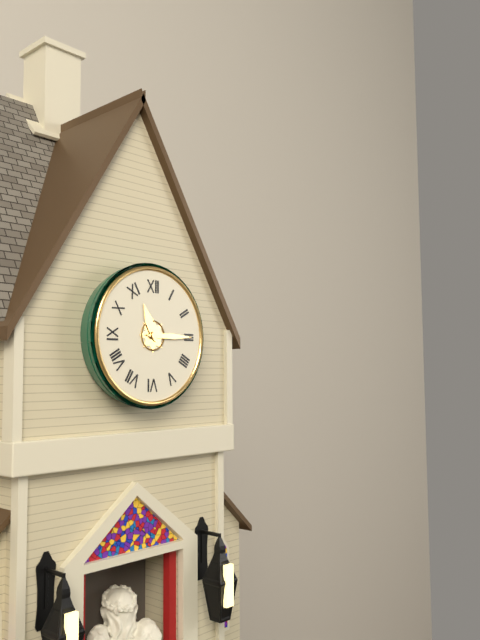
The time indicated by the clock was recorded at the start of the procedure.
11:15
